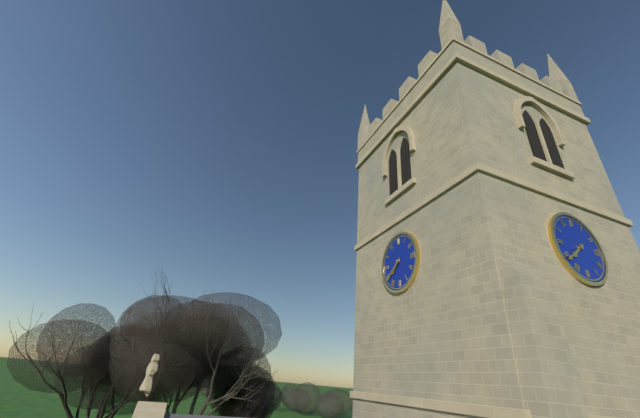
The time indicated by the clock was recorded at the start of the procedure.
7:39
